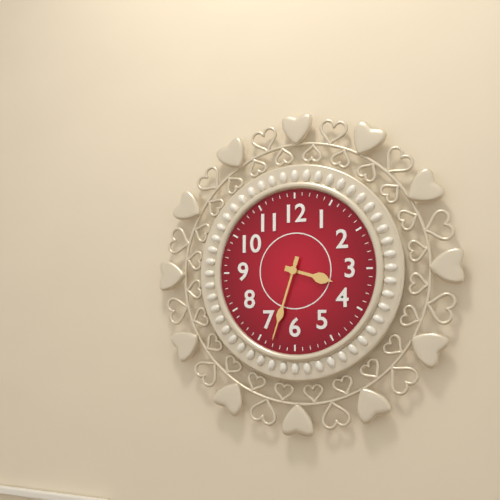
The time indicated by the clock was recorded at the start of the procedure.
3:33
